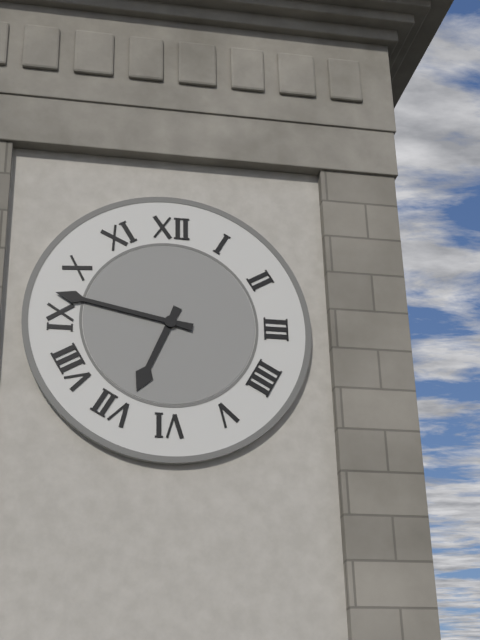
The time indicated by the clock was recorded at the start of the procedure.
6:47
